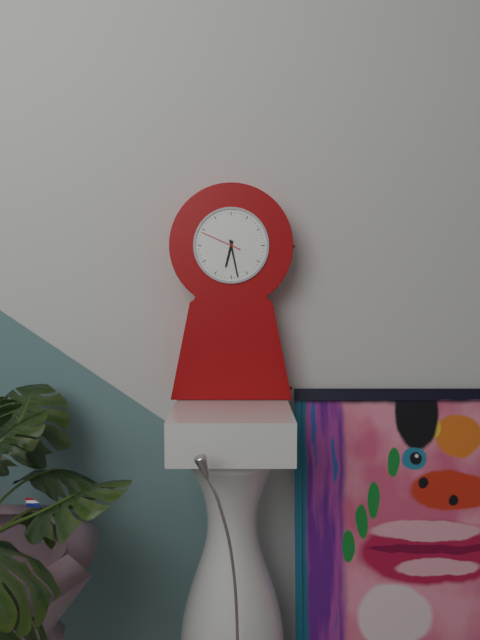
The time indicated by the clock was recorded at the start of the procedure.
6:28
